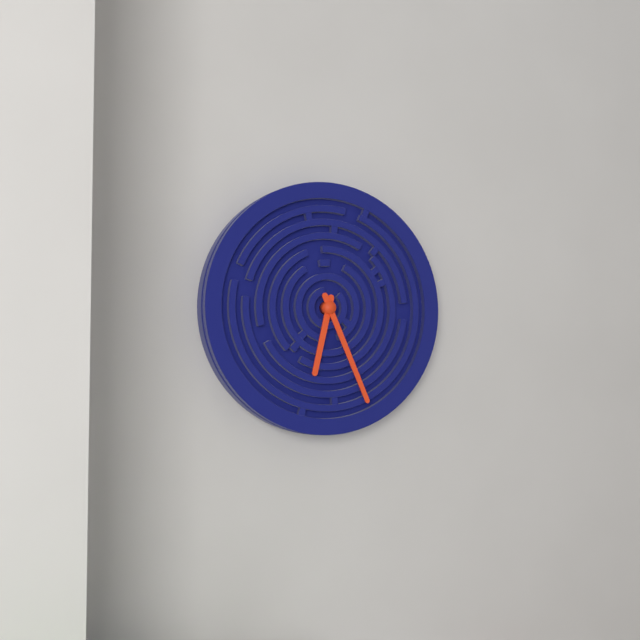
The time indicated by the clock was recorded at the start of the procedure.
6:26
